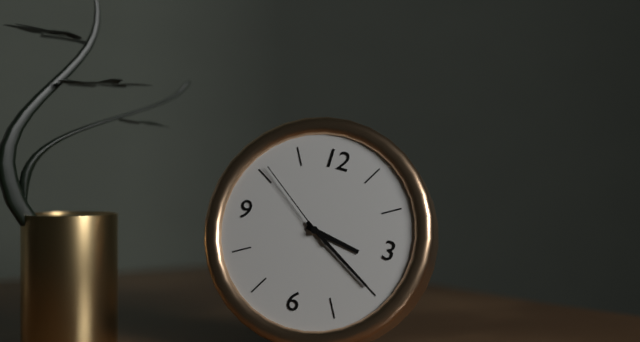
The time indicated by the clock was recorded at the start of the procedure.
3:20:51
